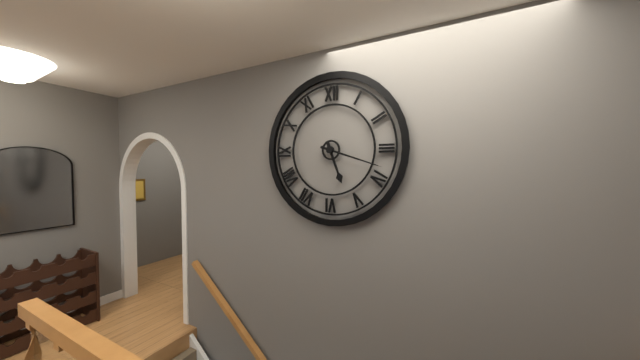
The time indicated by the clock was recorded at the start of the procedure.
5:18
